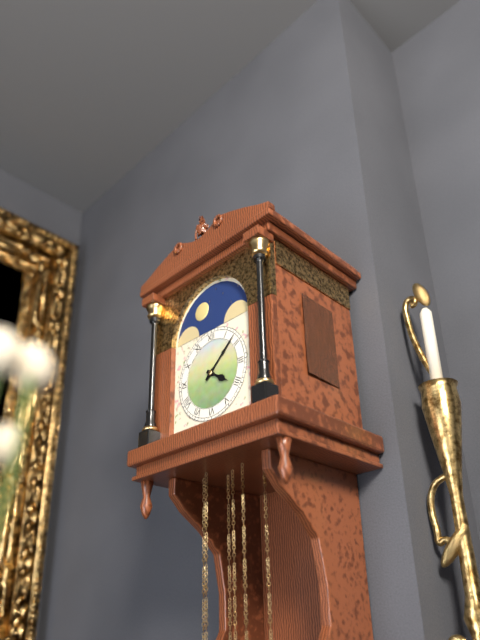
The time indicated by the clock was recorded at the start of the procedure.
4:08
